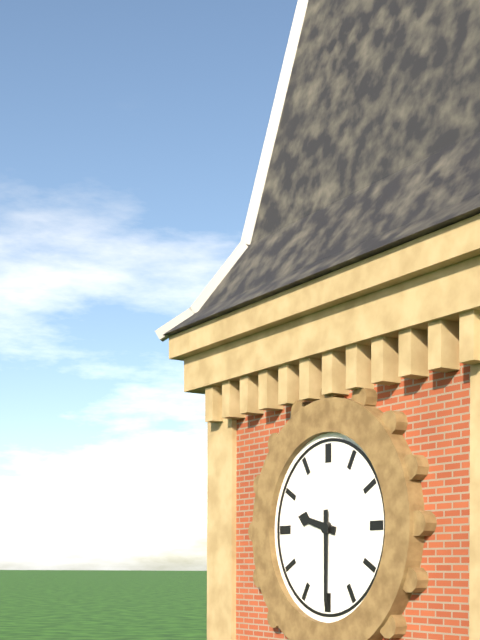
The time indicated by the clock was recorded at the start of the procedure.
9:30
